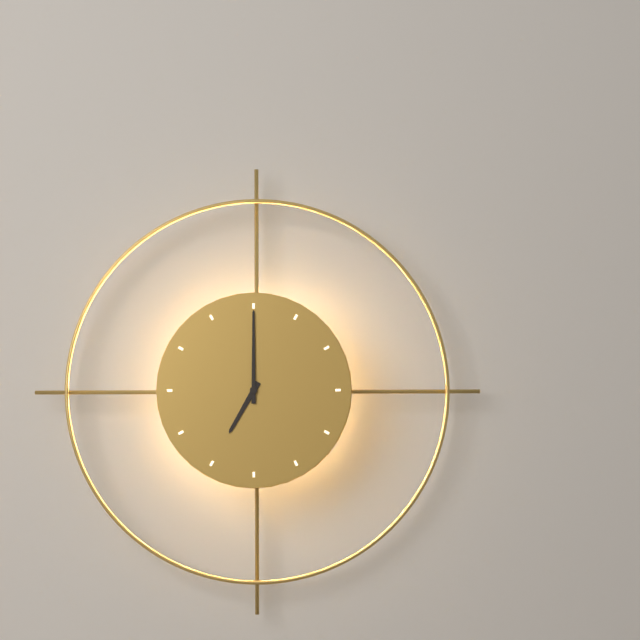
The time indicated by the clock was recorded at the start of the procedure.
7:00
